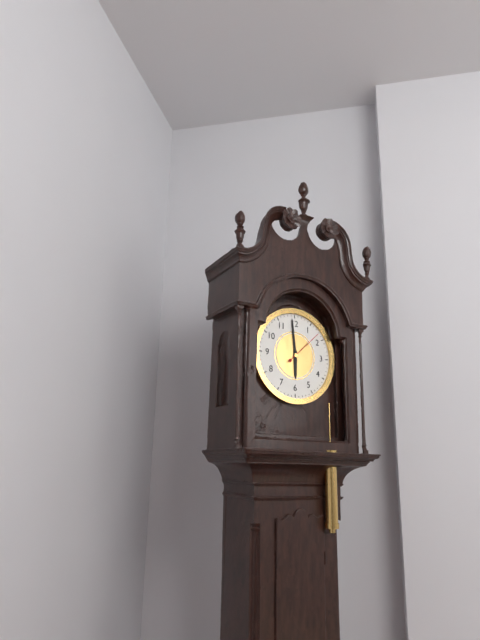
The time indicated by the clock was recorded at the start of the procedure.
5:59
